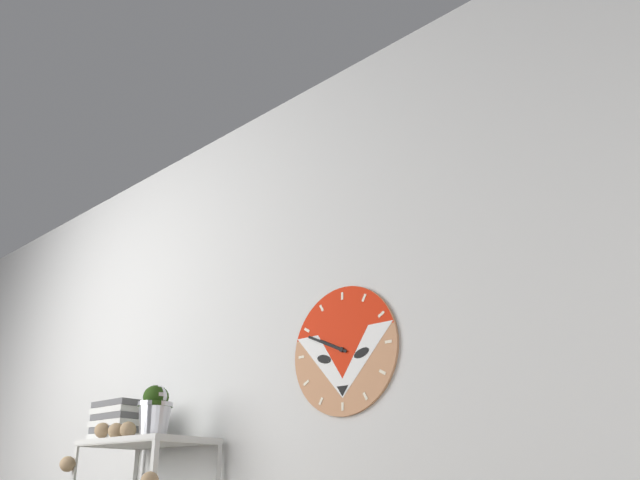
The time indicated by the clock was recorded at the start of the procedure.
9:49
